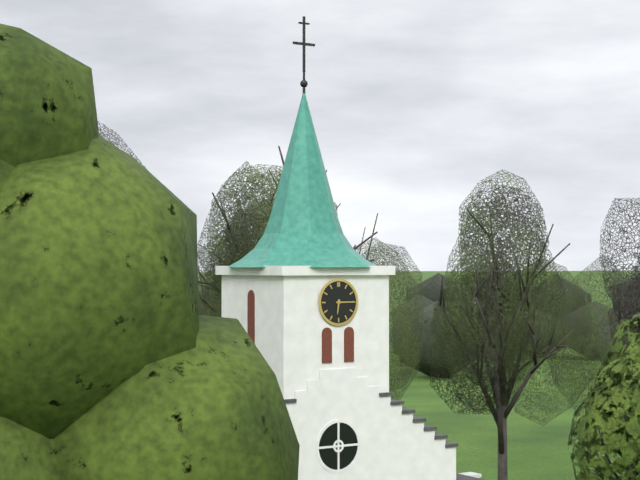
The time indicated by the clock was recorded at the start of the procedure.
6:15
